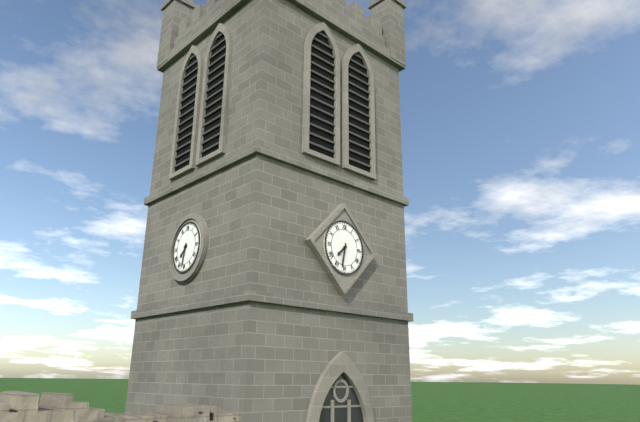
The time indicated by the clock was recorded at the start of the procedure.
7:32
